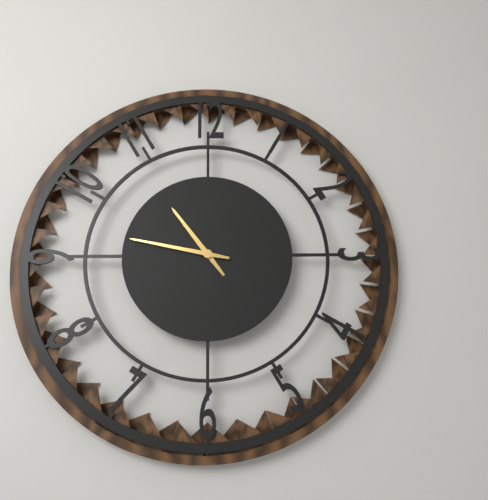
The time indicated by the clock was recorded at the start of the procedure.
10:47
